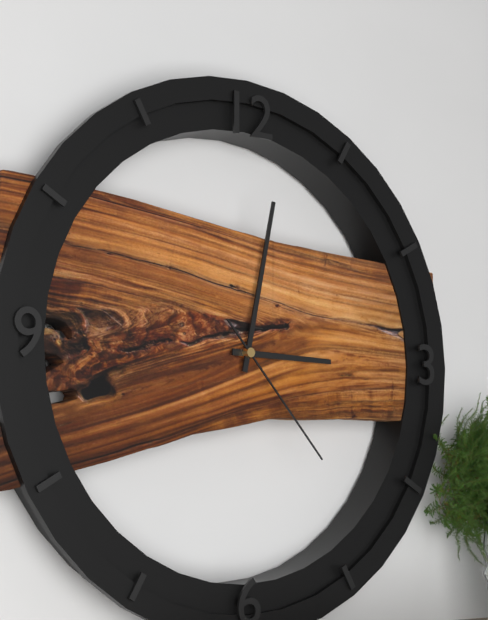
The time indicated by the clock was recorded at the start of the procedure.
3:02:23
